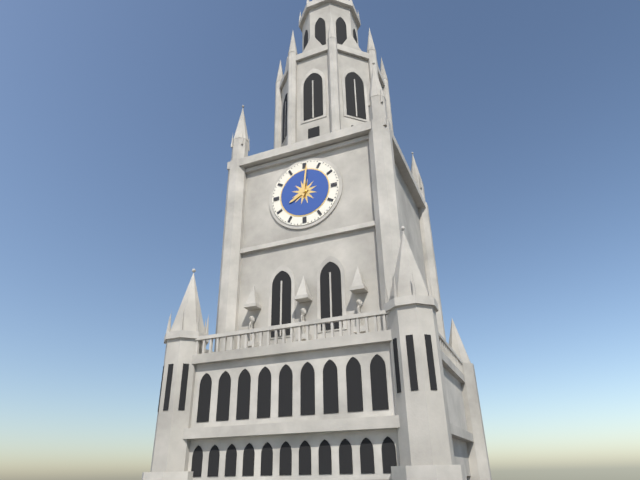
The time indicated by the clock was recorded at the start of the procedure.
8:01
